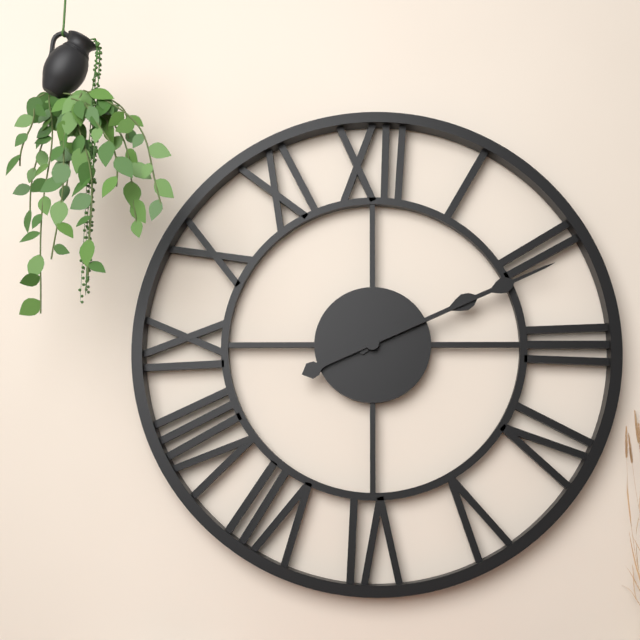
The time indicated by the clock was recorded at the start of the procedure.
2:11
